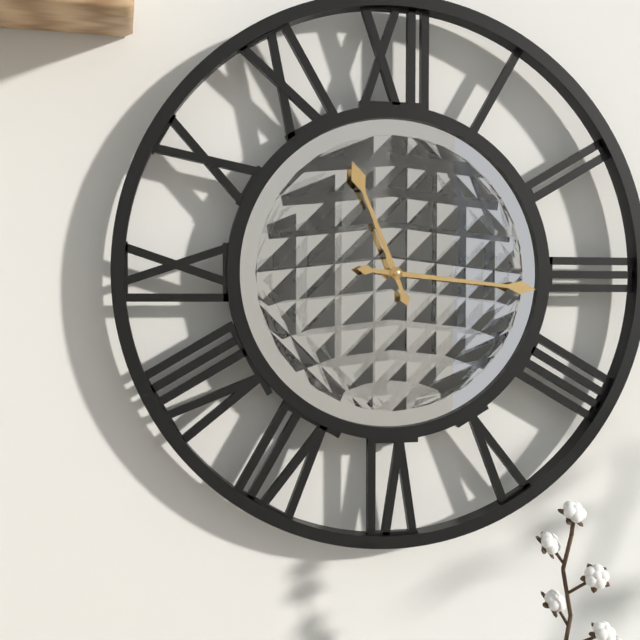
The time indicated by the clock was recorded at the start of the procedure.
11:16
